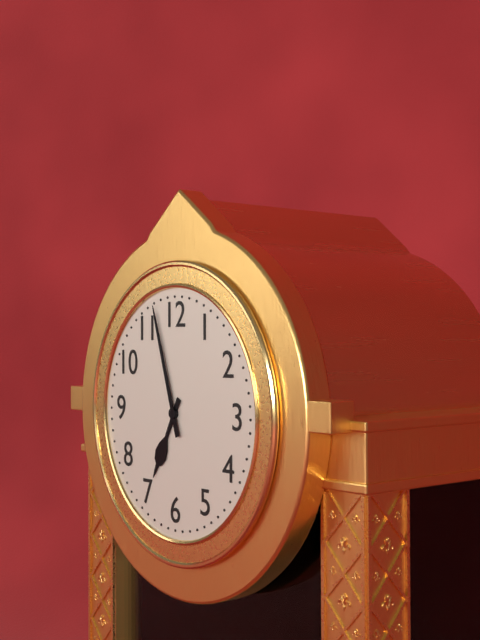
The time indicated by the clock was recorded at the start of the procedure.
6:57
